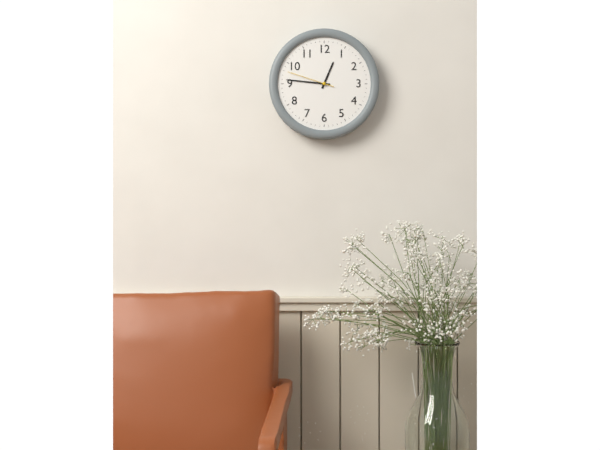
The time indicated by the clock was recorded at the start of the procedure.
12:46
